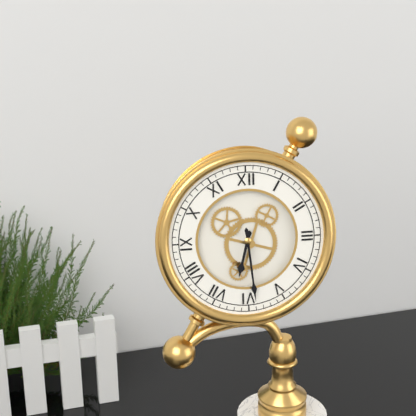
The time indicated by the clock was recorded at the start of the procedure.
6:29
